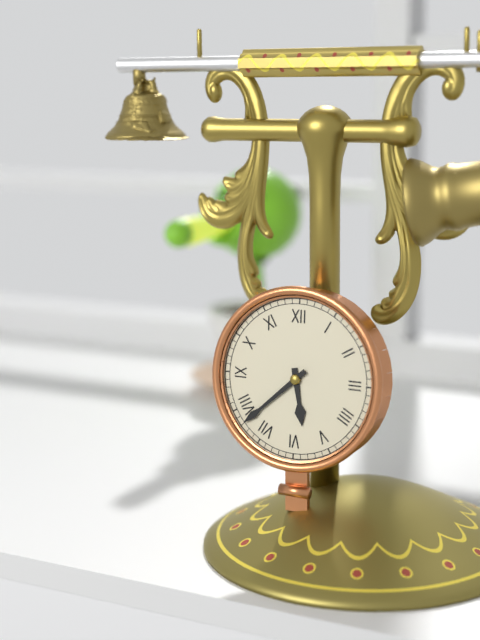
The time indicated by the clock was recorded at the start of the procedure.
5:38
